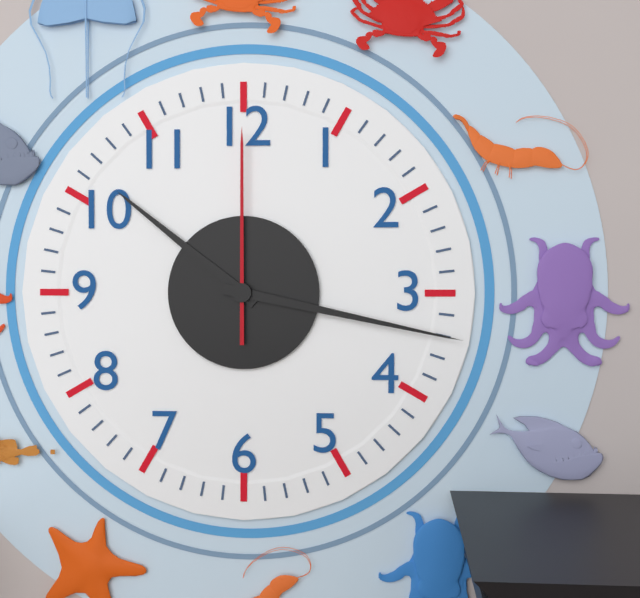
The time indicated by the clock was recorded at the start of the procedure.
10:17:00
